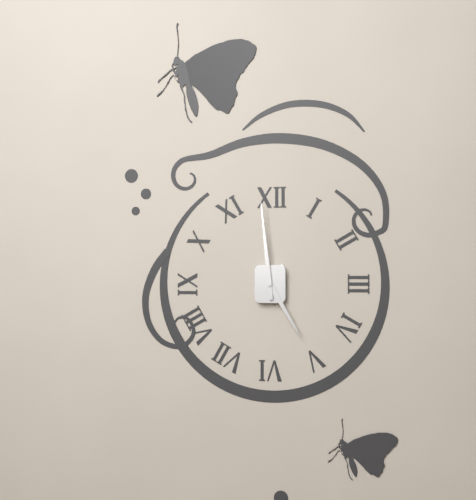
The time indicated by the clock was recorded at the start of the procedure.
4:59
